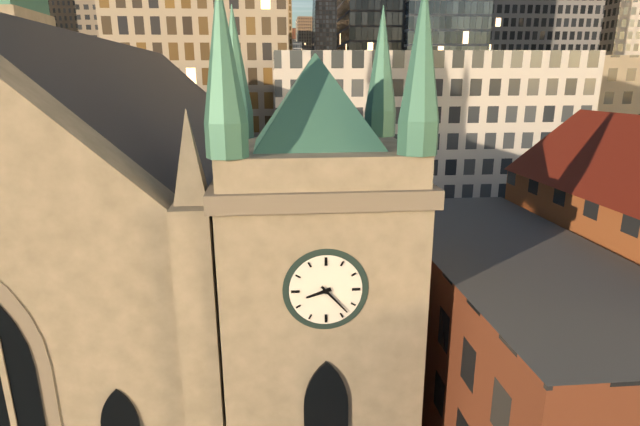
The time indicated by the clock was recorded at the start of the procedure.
8:23
